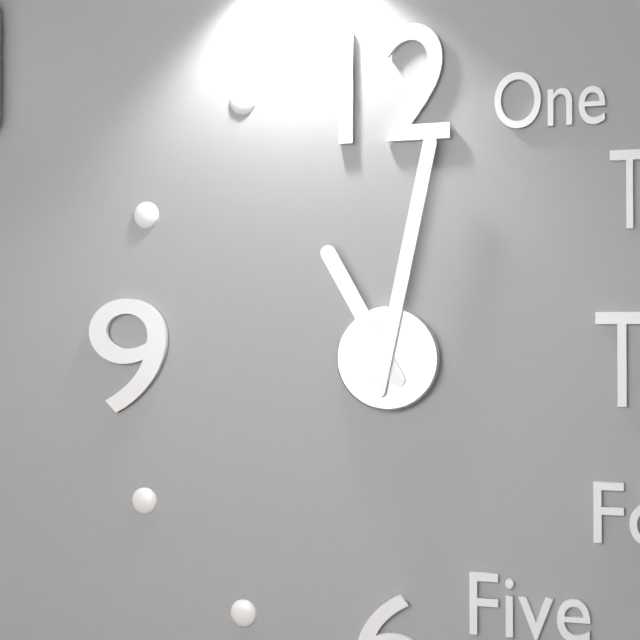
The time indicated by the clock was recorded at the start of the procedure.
11:02
